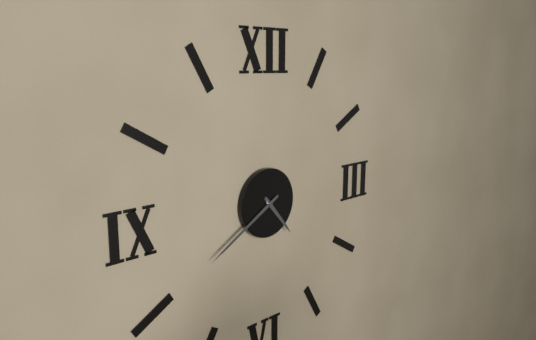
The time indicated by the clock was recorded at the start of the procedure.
4:40
